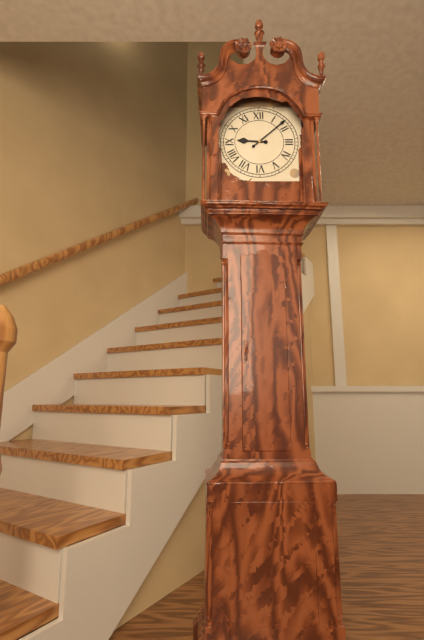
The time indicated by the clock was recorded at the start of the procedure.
9:08
